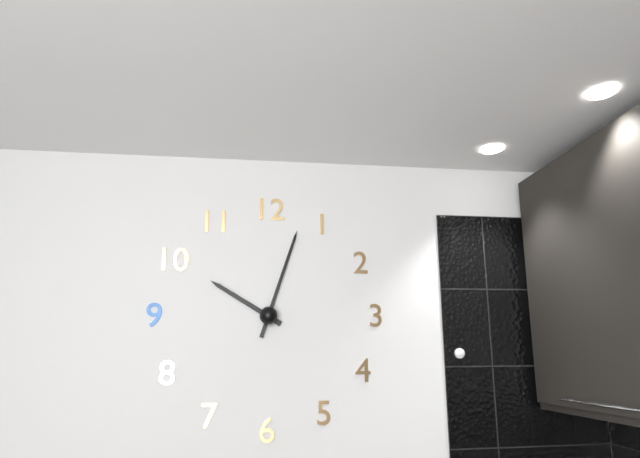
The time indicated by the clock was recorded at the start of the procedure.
10:03
